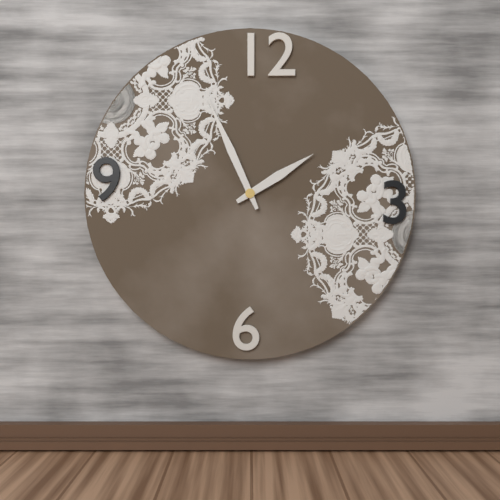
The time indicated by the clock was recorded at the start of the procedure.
1:56
